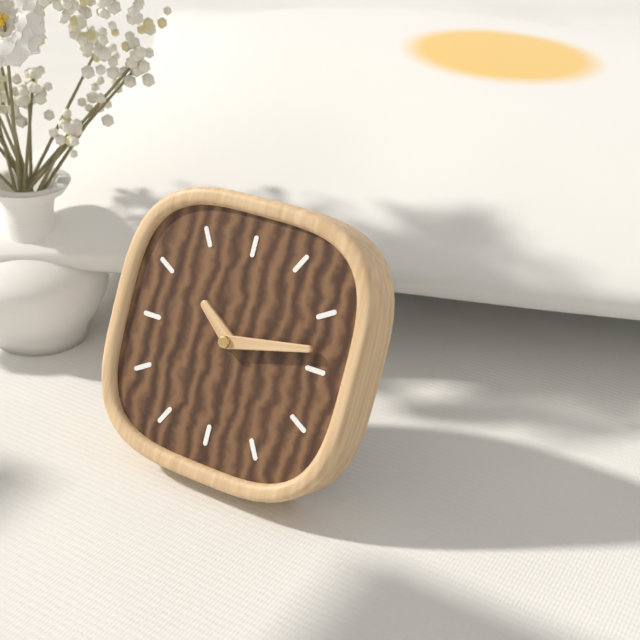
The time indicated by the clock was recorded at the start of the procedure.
10:13
